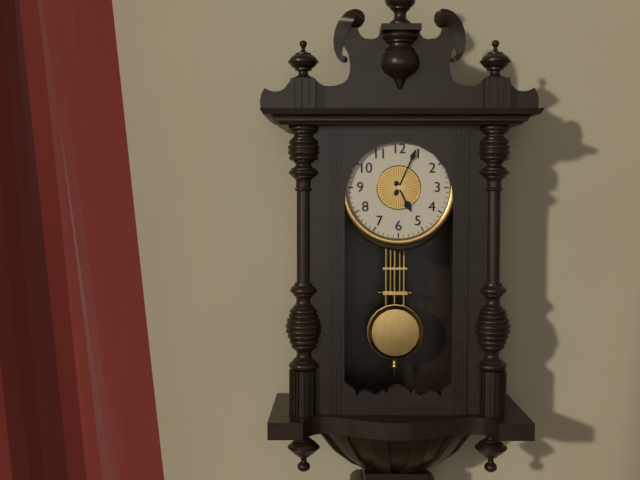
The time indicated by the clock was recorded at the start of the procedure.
5:04
